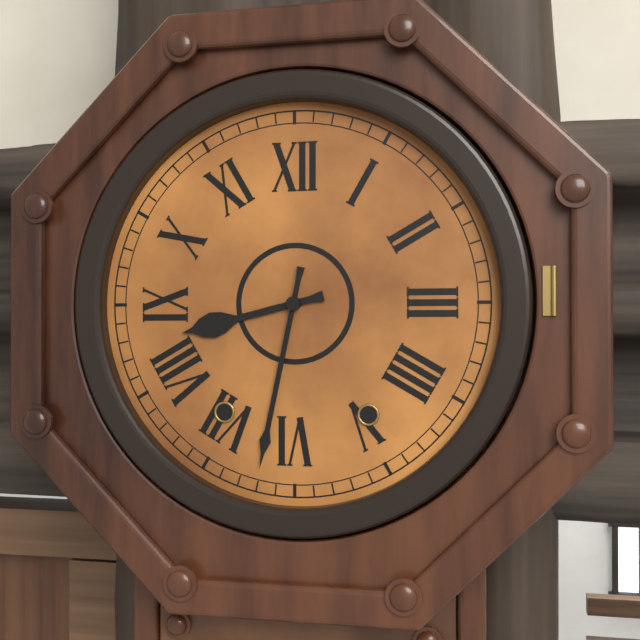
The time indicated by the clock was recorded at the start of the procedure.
8:32
